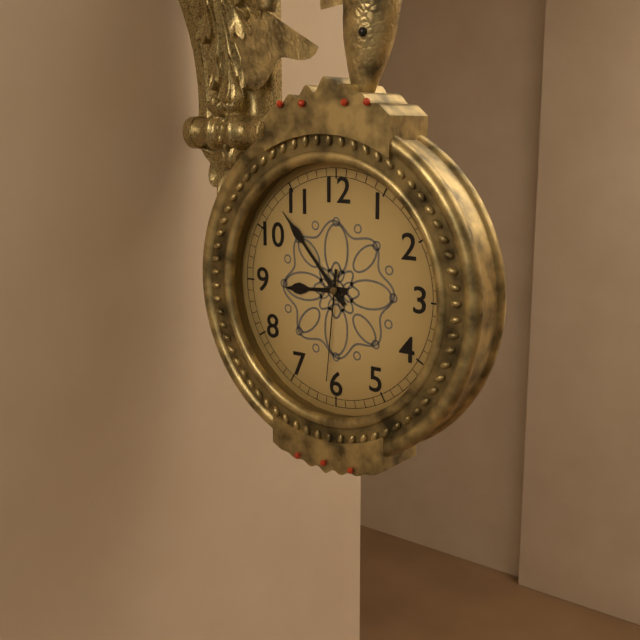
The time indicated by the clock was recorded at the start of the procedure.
8:53:31
